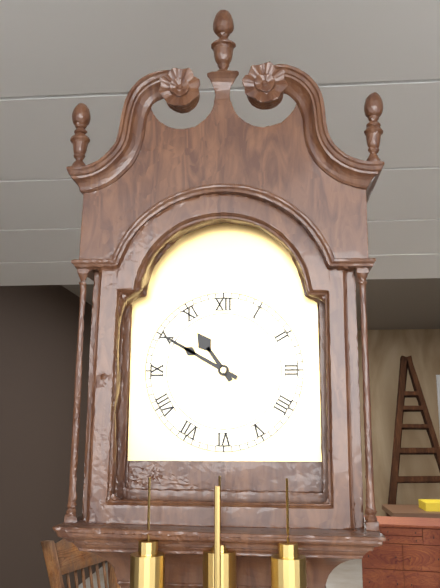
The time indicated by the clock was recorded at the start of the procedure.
10:50
